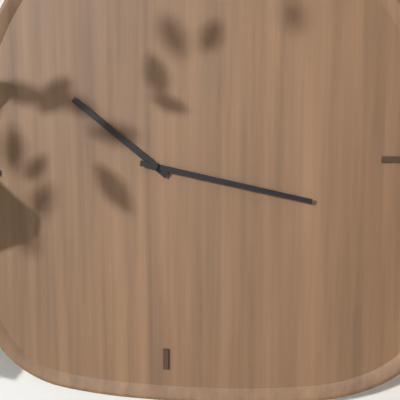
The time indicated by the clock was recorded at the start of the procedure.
10:17
